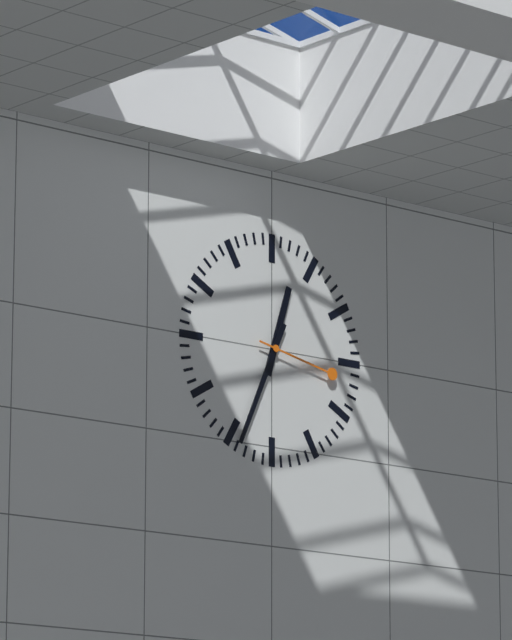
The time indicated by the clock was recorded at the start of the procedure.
12:34:17
